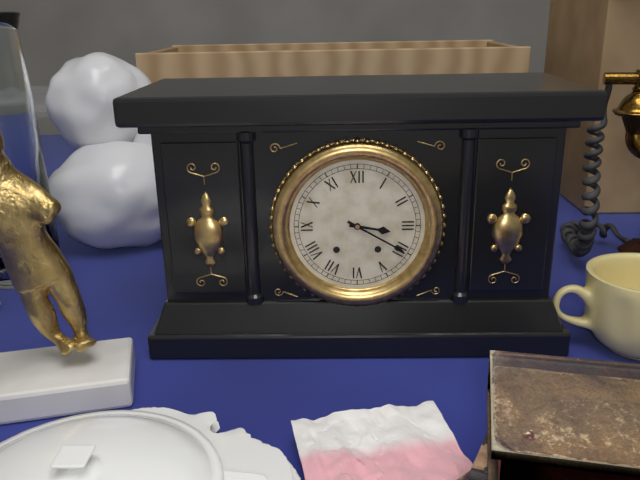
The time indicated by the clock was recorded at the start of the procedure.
3:20
